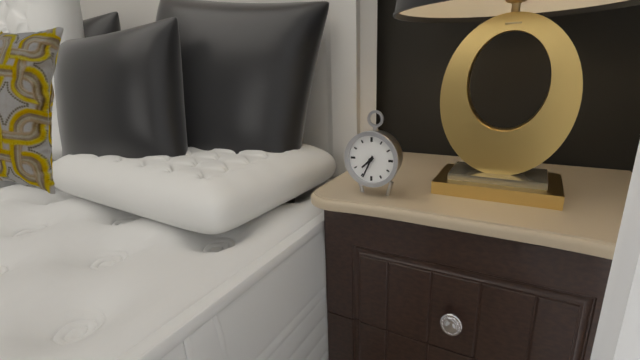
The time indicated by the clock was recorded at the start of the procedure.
7:34
